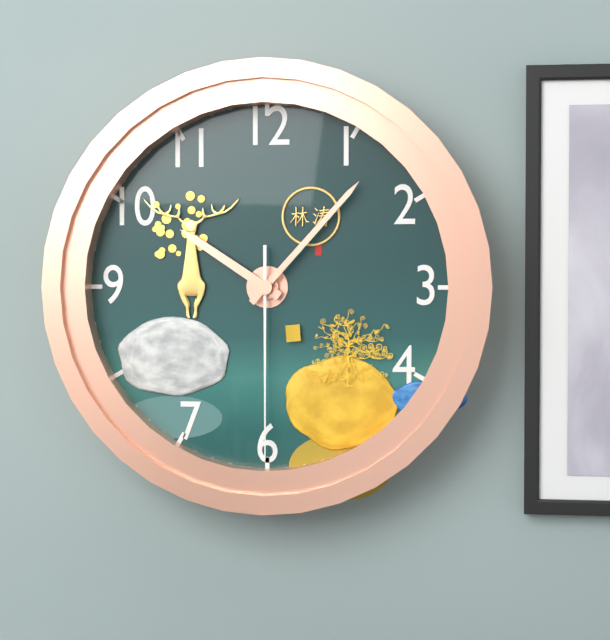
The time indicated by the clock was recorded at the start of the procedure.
10:07:30
